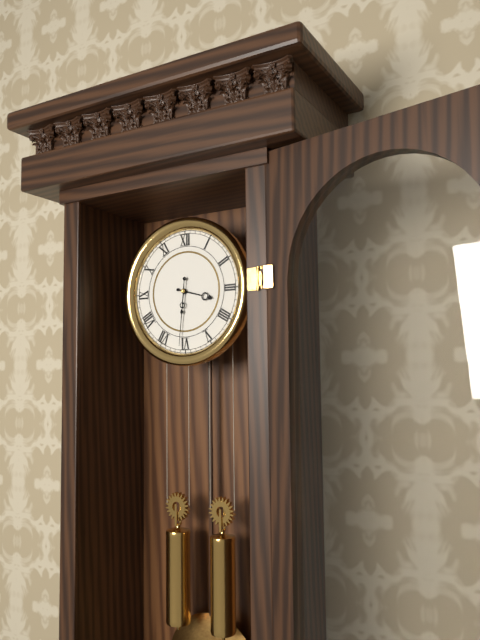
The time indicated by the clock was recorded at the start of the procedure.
3:31
